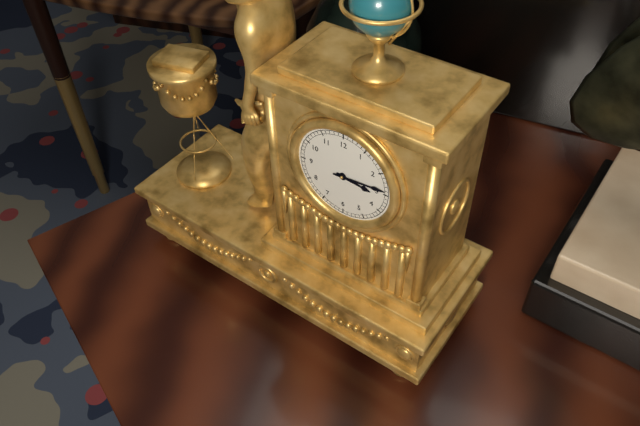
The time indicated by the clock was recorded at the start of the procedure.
3:14
